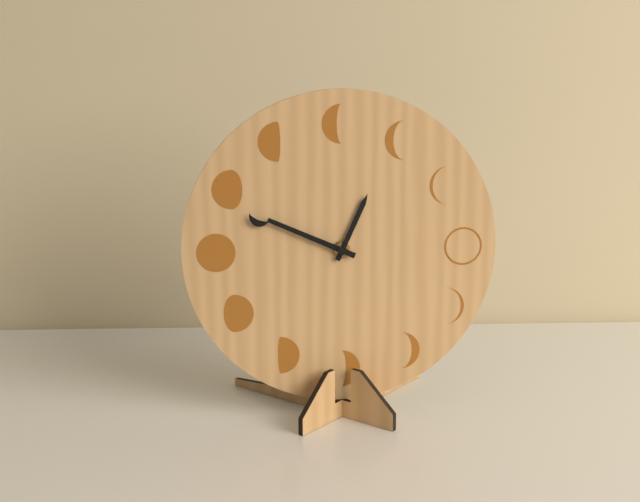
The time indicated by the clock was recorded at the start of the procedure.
12:49
